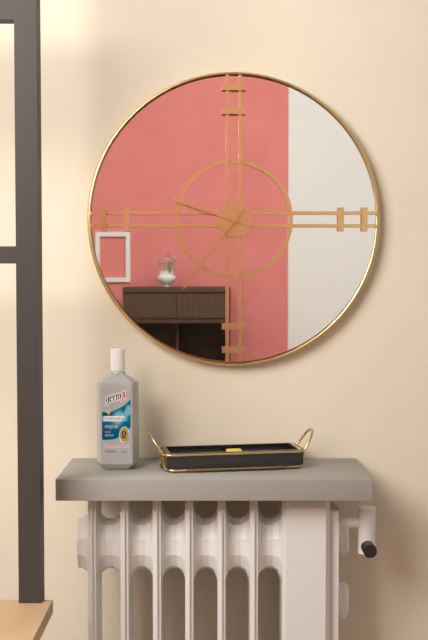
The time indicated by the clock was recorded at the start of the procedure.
9:36
